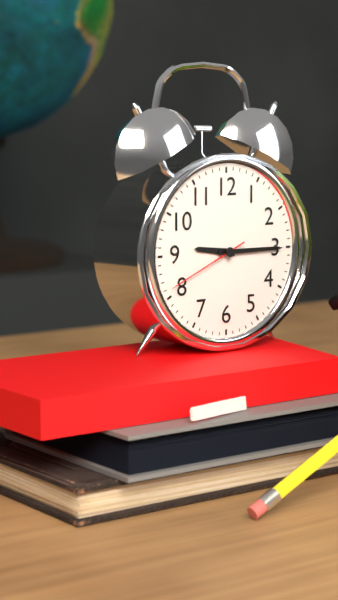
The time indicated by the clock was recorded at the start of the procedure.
9:15:41
